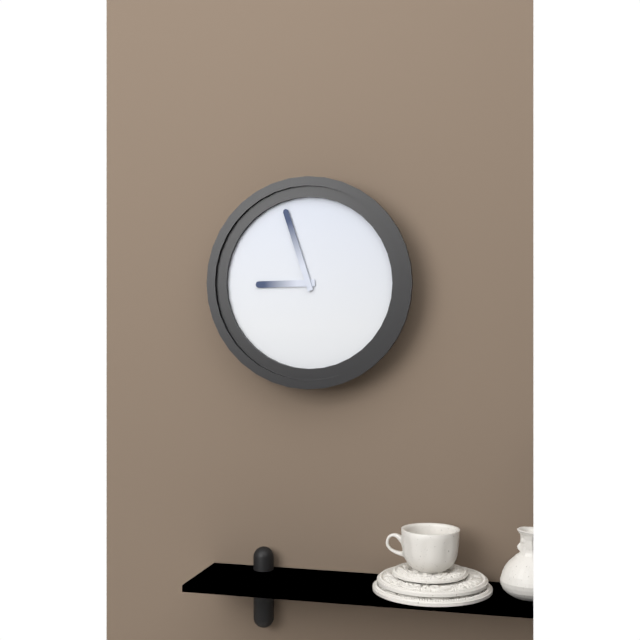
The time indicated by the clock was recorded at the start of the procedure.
8:57
